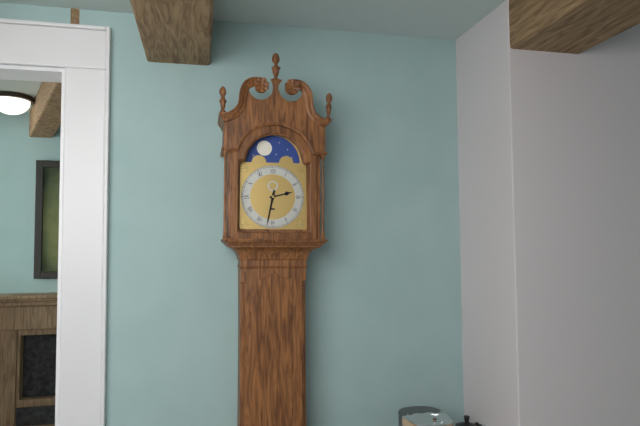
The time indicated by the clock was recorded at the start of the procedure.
2:32
